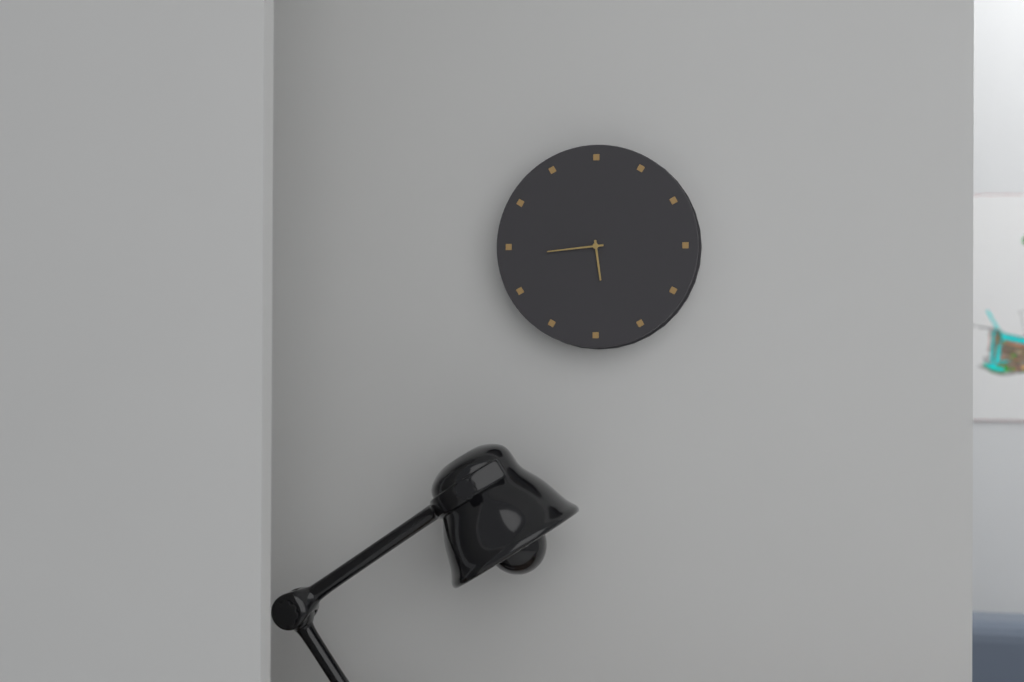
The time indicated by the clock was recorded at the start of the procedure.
5:44
